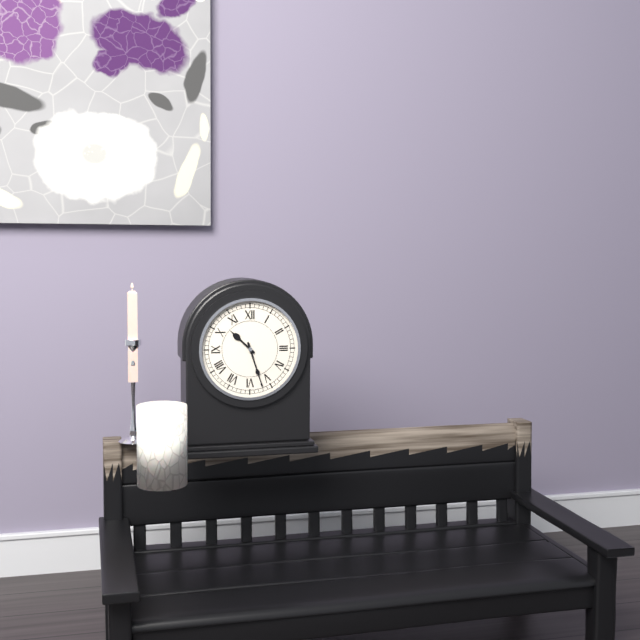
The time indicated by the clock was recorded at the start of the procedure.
10:27
